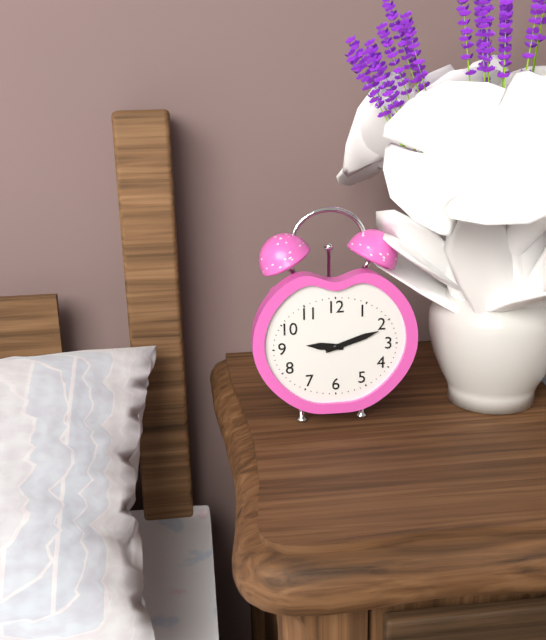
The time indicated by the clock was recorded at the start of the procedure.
9:12
